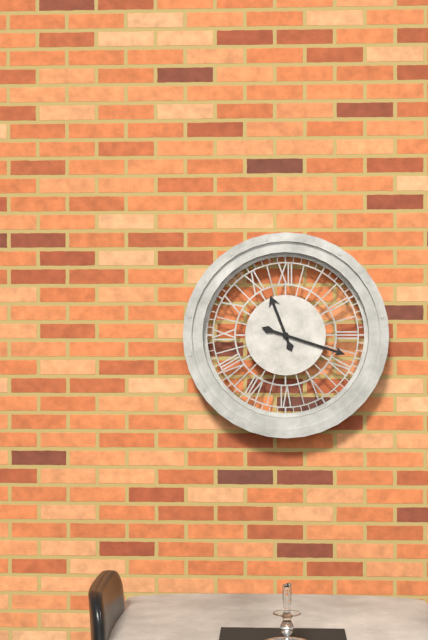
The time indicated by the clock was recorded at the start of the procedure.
11:18
